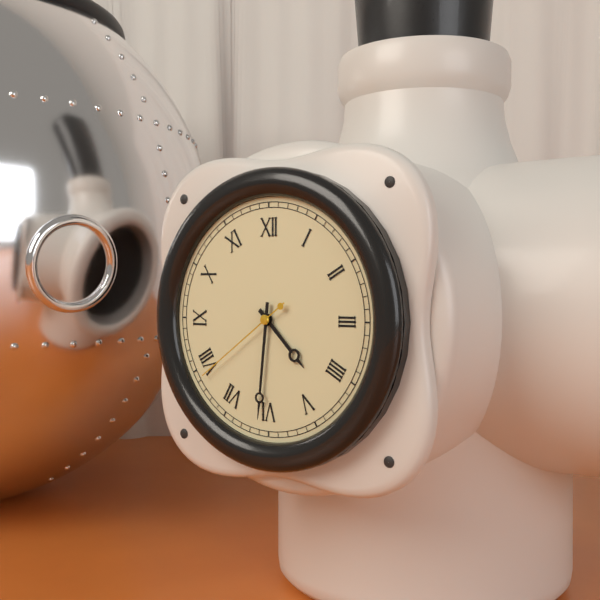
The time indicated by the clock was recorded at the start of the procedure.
4:31:39
